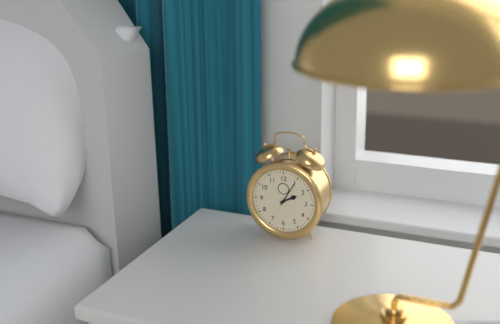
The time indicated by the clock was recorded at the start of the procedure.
2:05
